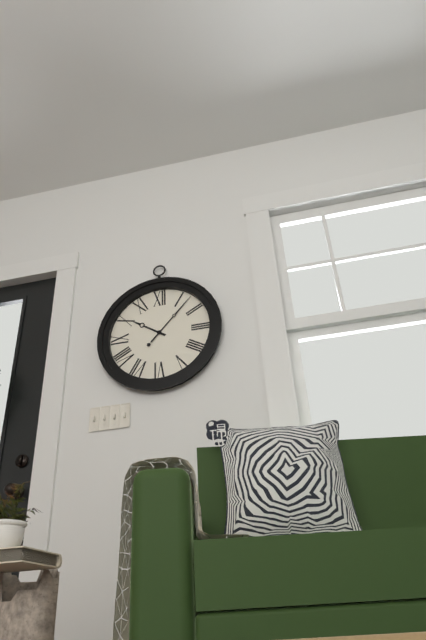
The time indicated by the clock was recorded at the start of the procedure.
10:07
